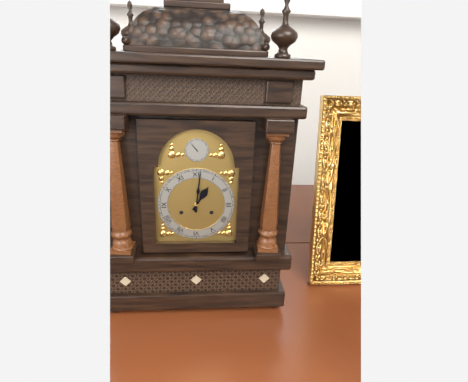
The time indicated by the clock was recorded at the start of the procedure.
1:01
